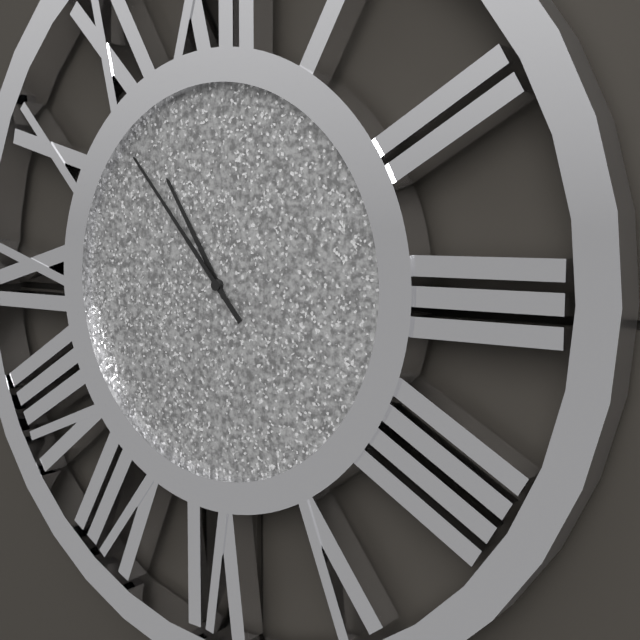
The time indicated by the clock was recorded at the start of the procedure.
10:53
